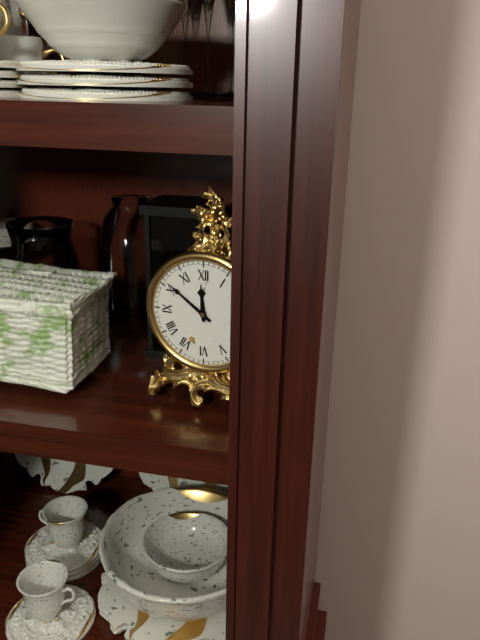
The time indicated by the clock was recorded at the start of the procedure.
11:51
